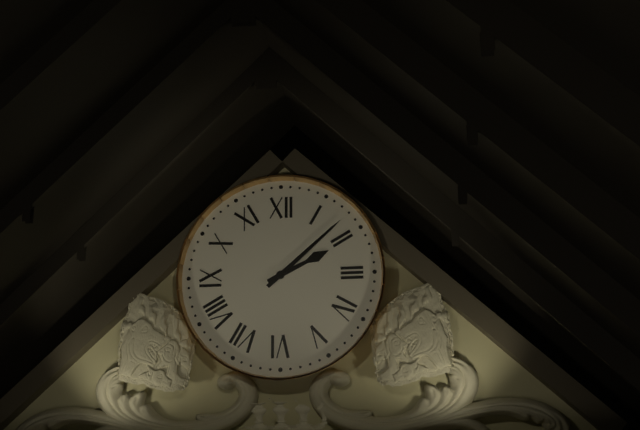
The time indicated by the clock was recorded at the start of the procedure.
2:08
